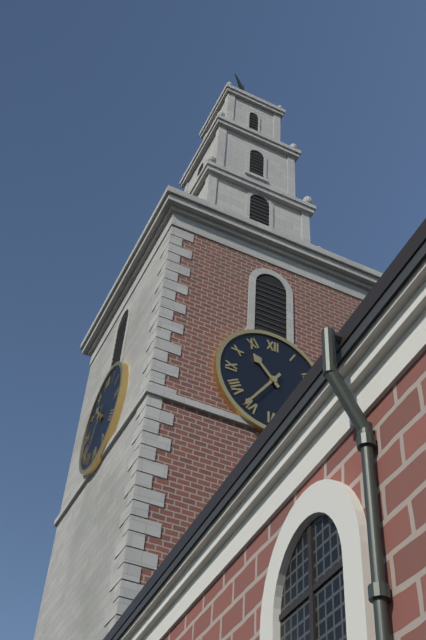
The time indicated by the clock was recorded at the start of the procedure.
10:36
